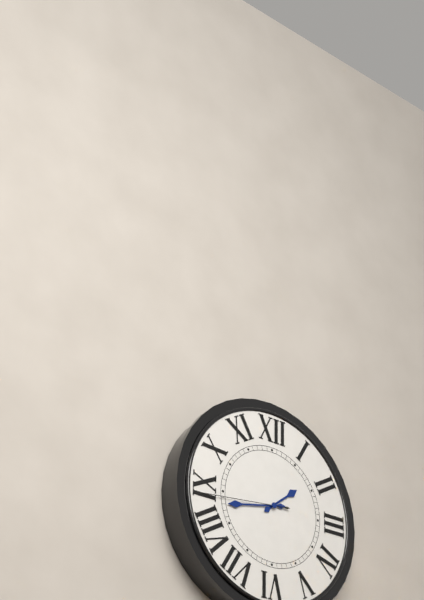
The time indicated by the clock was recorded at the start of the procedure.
1:43:44
